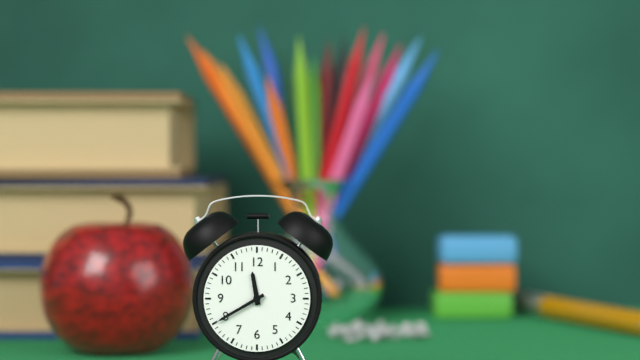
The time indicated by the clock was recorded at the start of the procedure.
11:40
